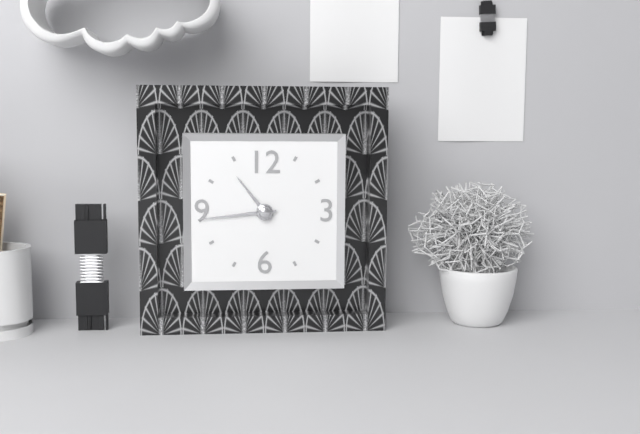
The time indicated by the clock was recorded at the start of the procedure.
10:44
